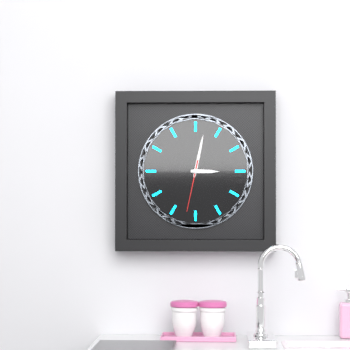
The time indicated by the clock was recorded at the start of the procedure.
3:02:32
